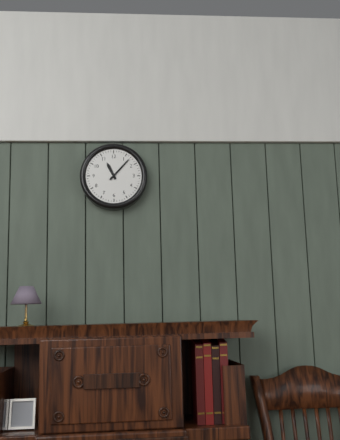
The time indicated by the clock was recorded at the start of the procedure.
11:07
